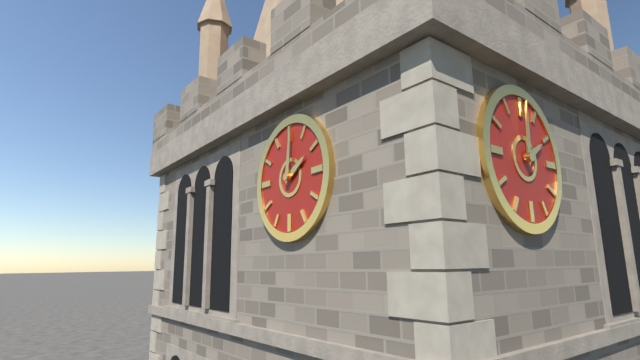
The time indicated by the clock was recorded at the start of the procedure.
2:01
